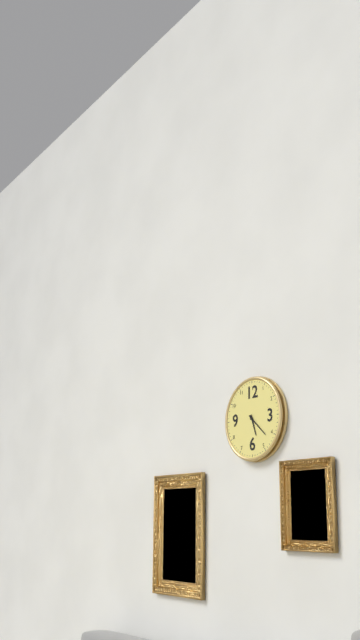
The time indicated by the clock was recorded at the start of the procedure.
5:22
